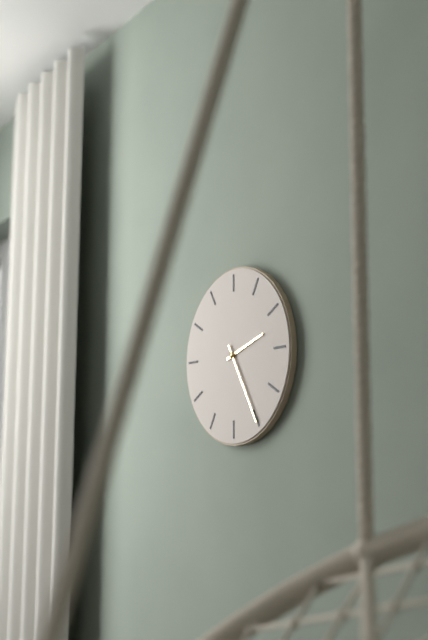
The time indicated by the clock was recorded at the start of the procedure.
2:25
